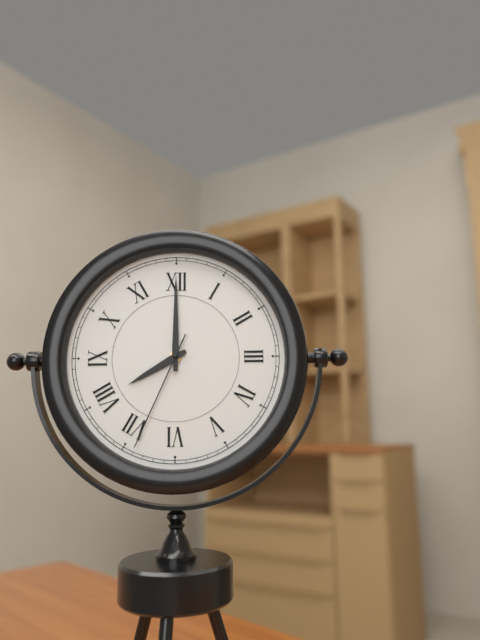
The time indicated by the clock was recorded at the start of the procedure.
8:00:34
